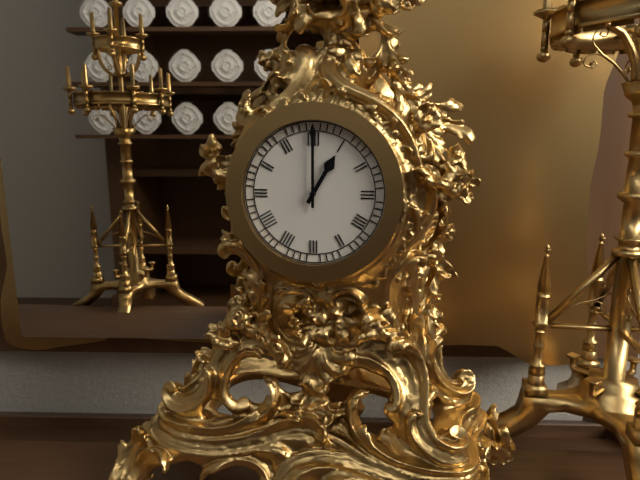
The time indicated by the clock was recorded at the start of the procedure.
1:00
